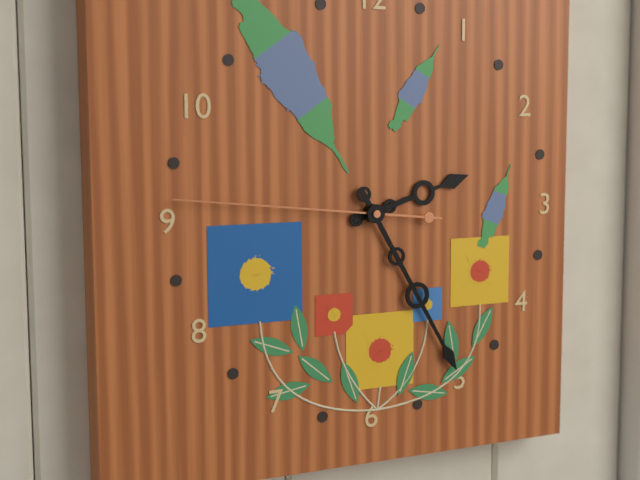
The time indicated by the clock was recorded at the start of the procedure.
2:25:46
